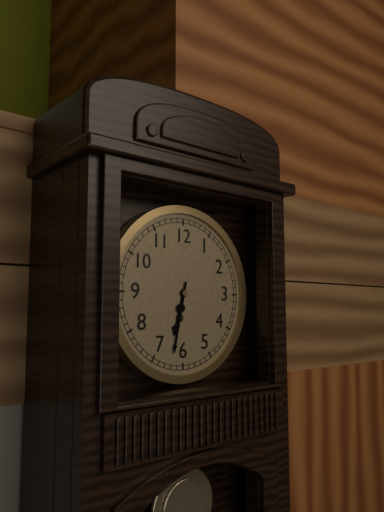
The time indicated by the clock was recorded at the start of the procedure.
6:32
